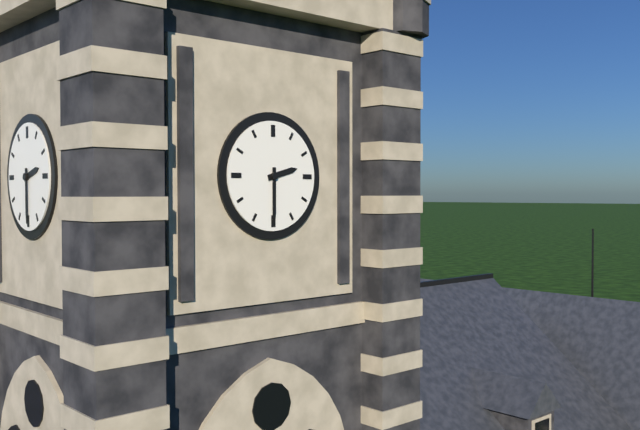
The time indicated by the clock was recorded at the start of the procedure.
2:30
